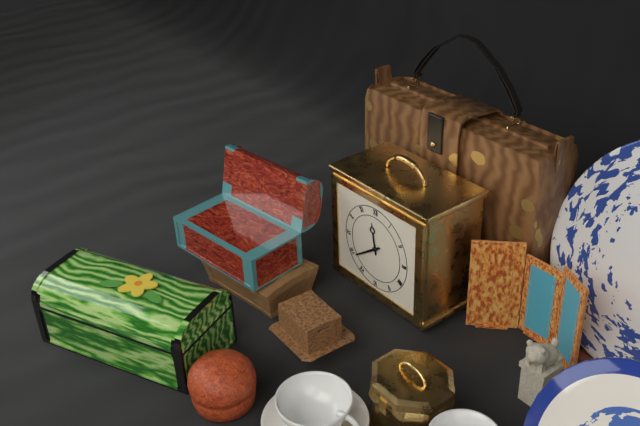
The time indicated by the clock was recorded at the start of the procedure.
11:39
